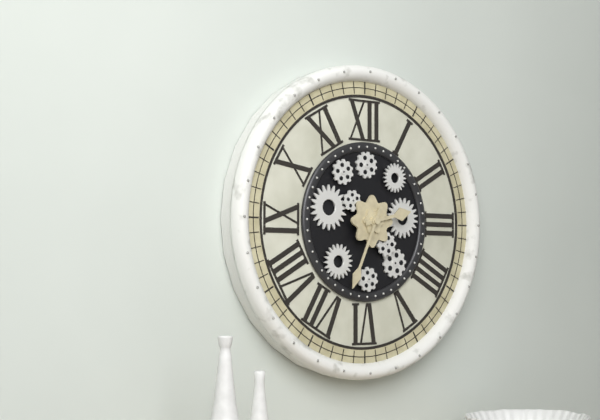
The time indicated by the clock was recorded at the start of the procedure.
2:34
